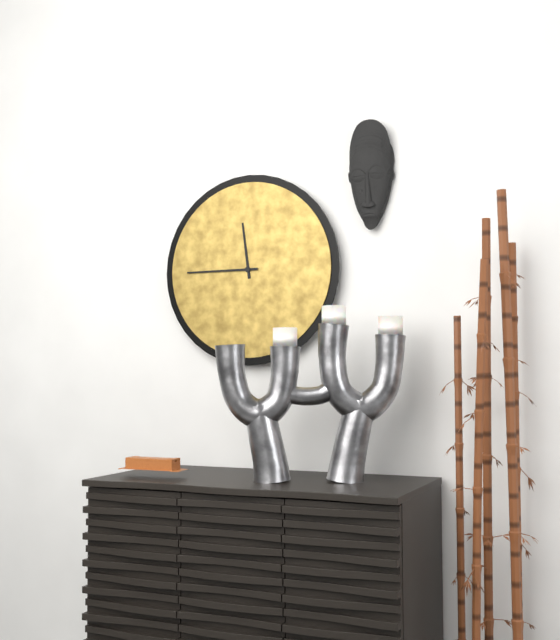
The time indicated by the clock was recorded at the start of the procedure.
11:45
